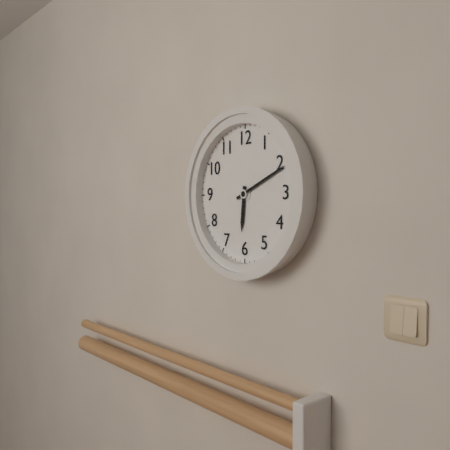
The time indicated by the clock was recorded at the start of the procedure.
6:11
